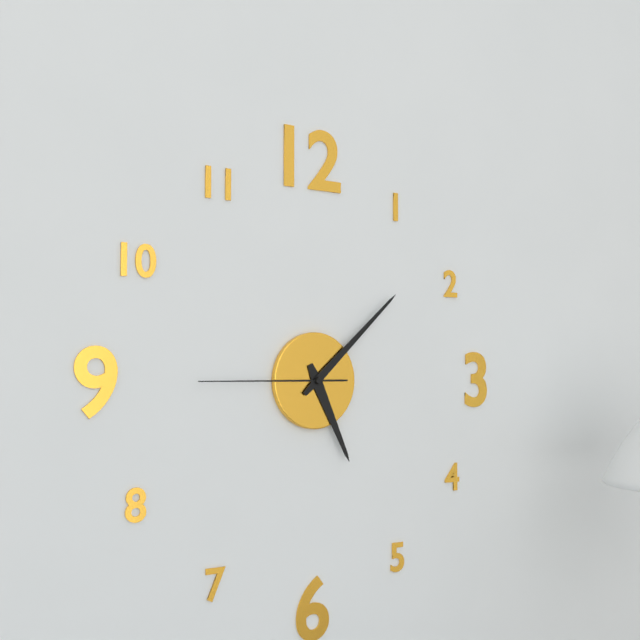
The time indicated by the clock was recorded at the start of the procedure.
5:08:45
